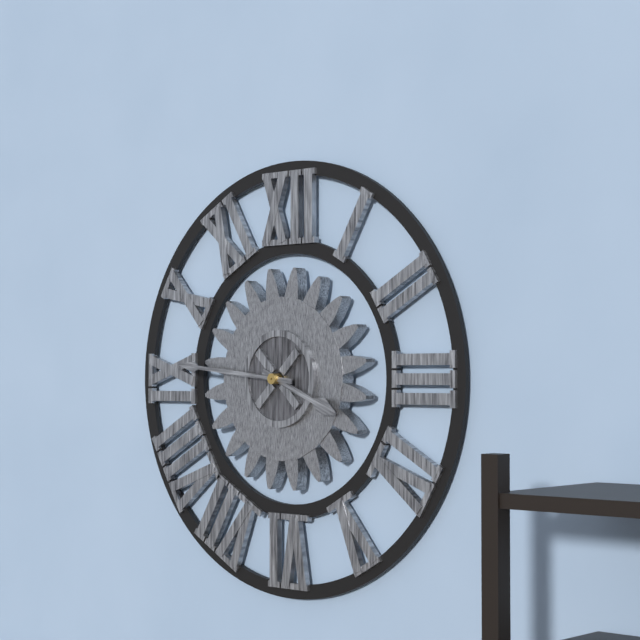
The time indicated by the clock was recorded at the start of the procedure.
3:46
